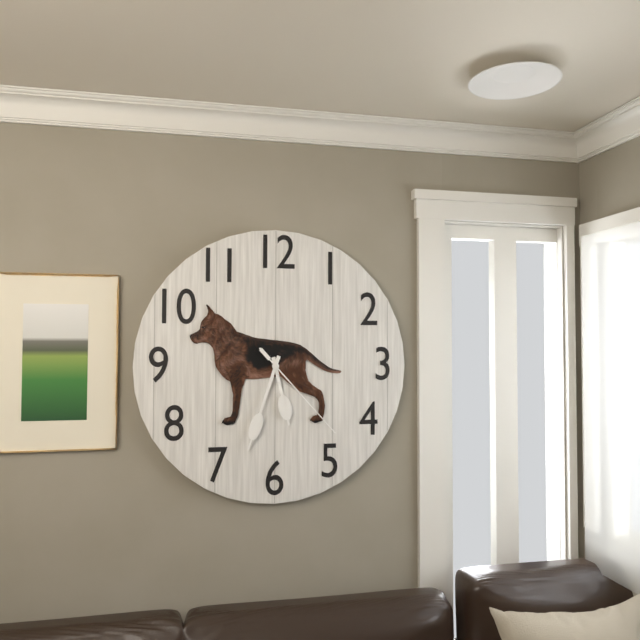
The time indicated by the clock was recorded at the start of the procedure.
5:33:23
